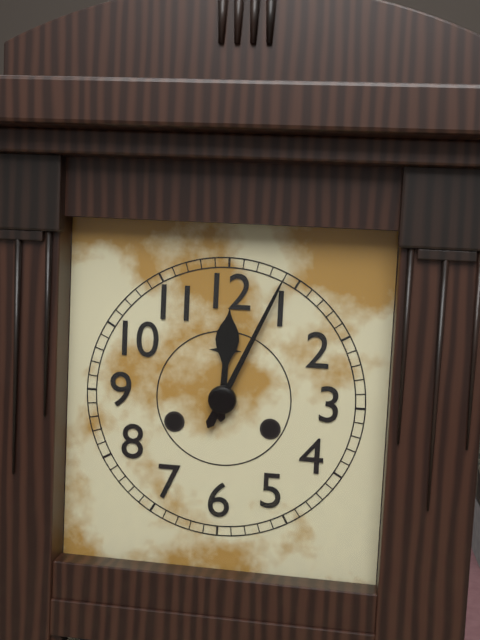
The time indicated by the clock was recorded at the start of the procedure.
12:04
